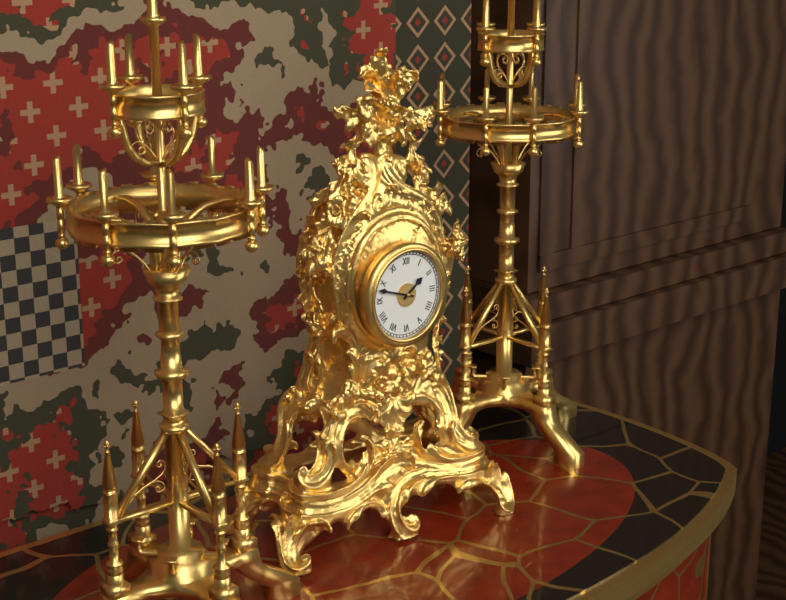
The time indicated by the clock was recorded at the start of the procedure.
1:48
